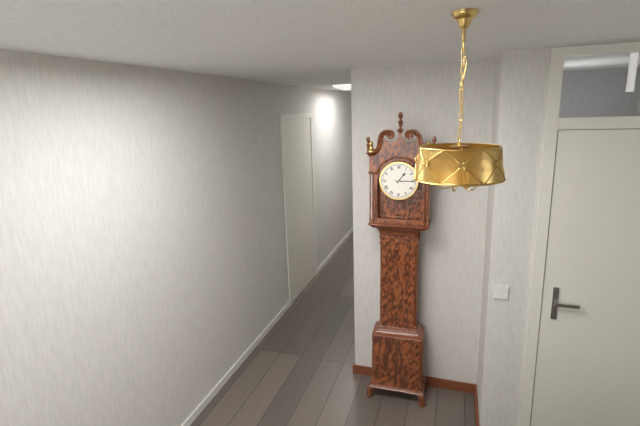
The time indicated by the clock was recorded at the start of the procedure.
1:15
